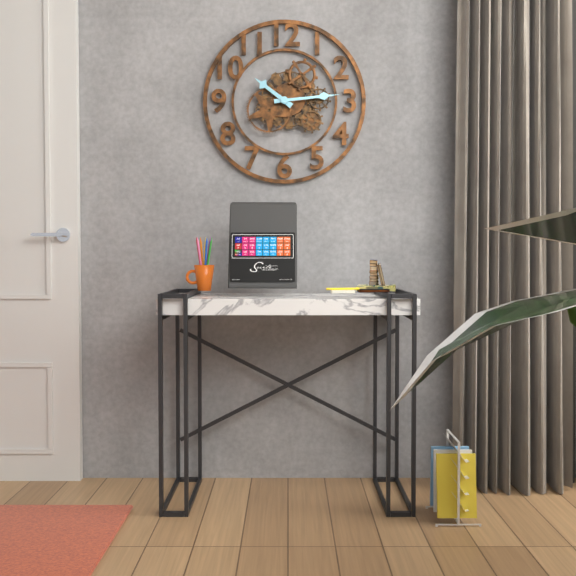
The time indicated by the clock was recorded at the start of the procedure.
10:14
